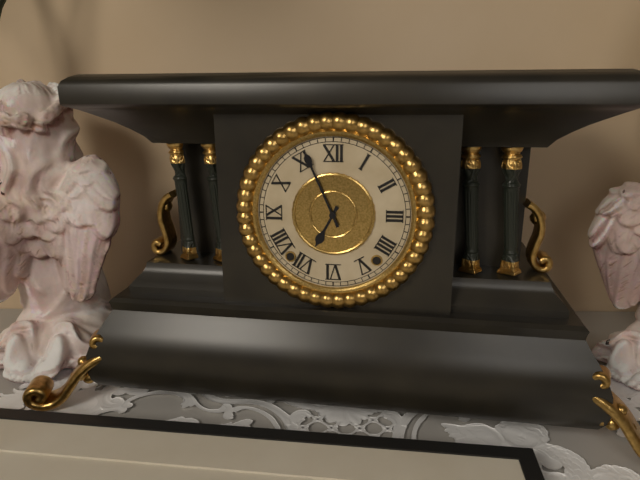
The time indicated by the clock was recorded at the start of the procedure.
6:56
